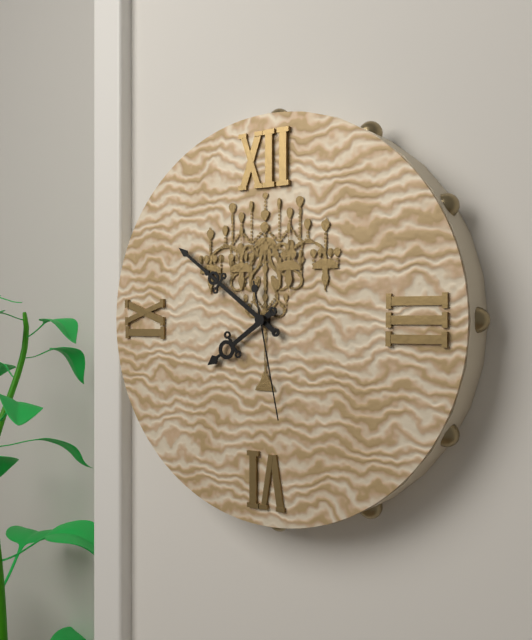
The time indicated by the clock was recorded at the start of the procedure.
7:51:28
